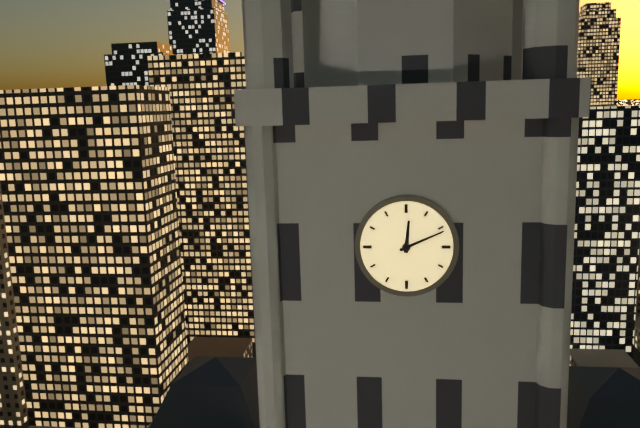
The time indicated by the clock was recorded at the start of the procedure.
12:11
